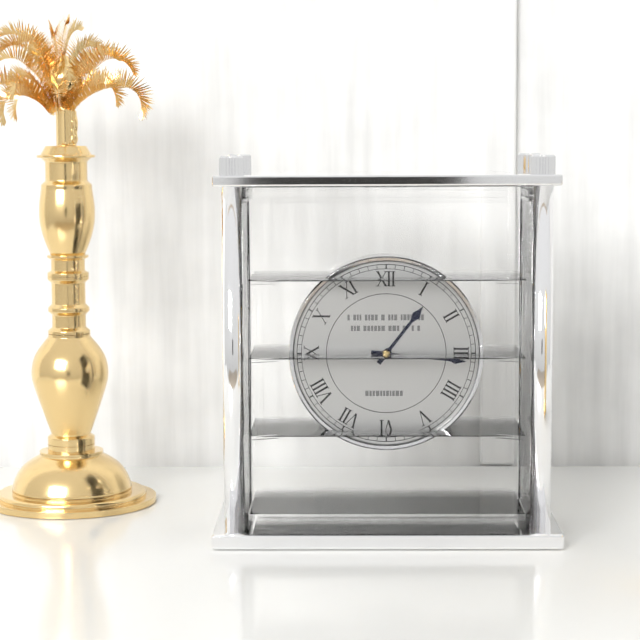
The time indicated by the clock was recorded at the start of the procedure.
1:16
